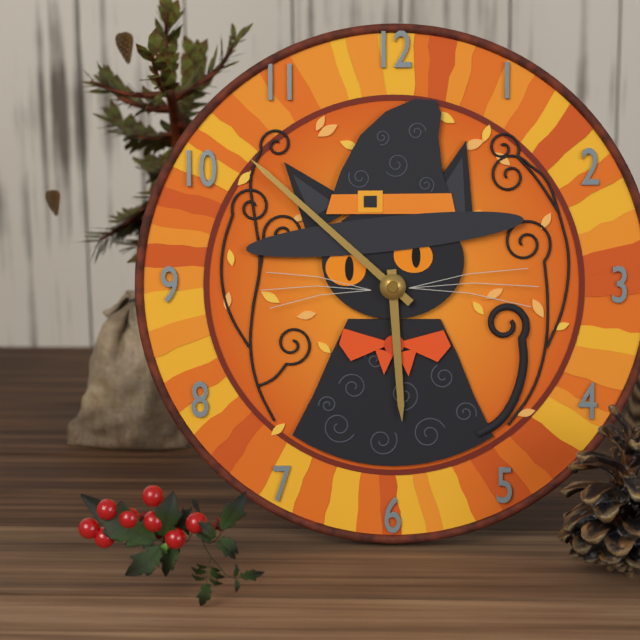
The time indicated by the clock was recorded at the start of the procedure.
5:52
